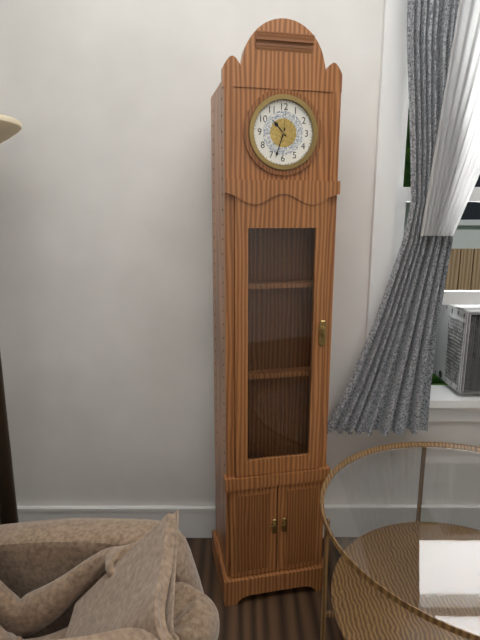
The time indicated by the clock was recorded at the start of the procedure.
10:33
